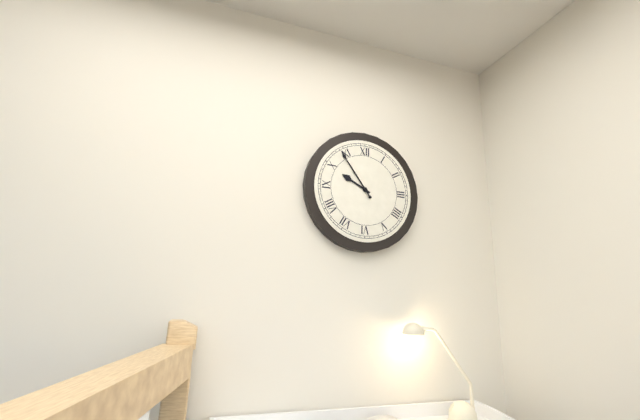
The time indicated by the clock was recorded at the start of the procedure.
9:54
